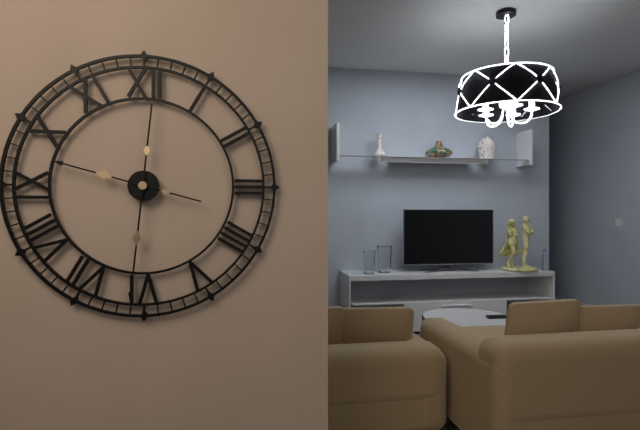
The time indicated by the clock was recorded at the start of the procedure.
9:31
